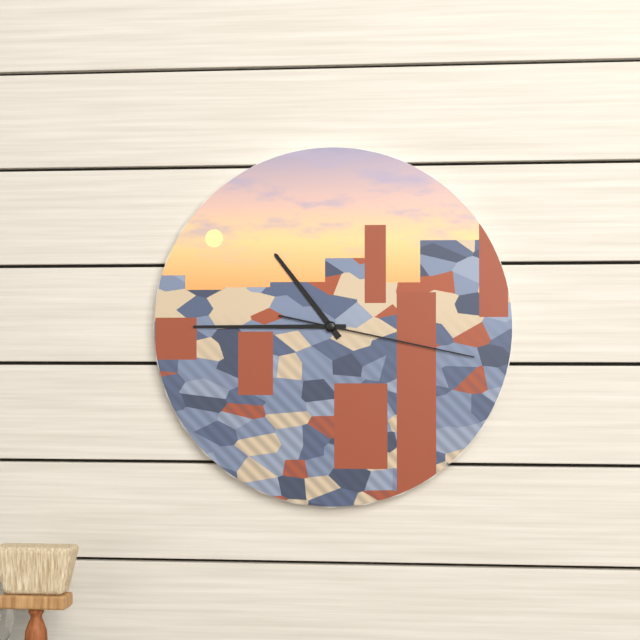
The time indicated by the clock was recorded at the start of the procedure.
10:45:17
